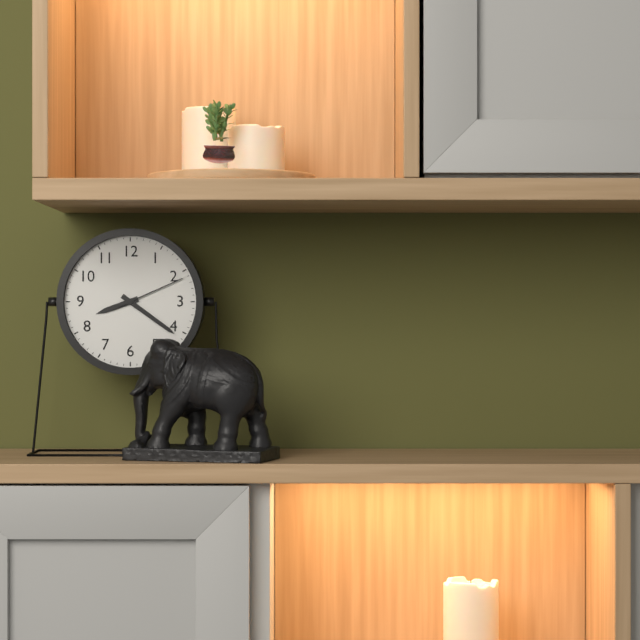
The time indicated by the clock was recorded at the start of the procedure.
8:21:11
